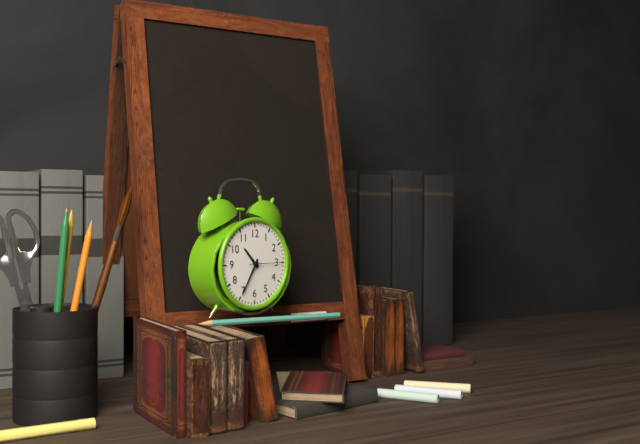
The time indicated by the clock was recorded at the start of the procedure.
10:35
